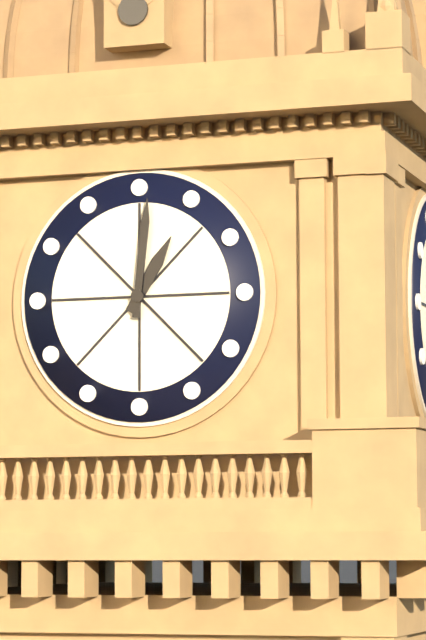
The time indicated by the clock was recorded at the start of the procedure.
1:01
